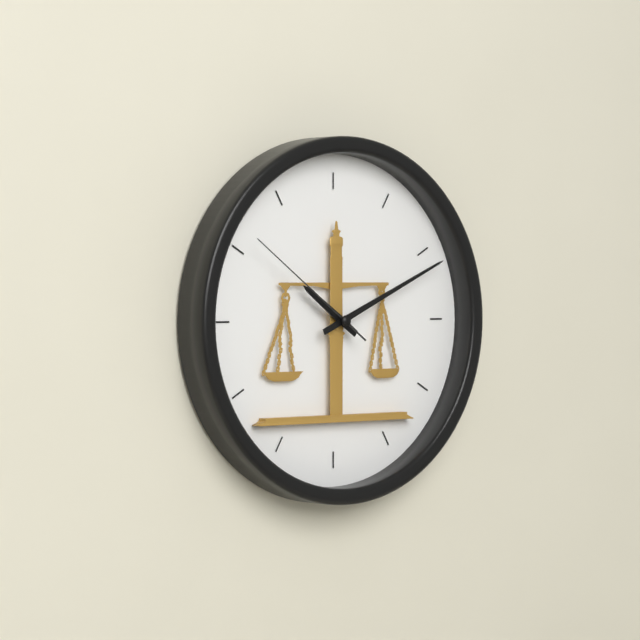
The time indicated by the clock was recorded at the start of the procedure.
10:11:51
